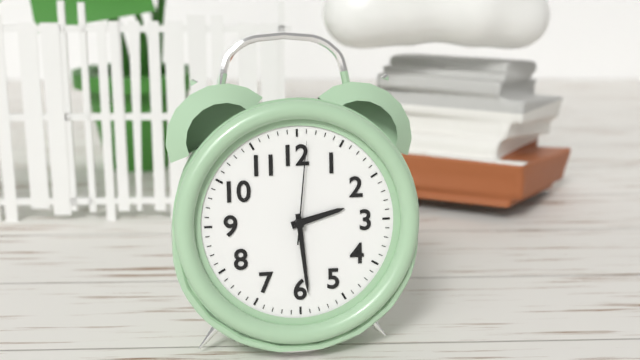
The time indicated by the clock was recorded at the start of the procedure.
2:29:01
